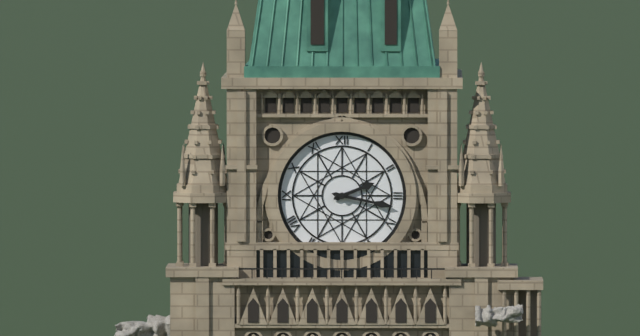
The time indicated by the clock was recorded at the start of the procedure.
2:17
